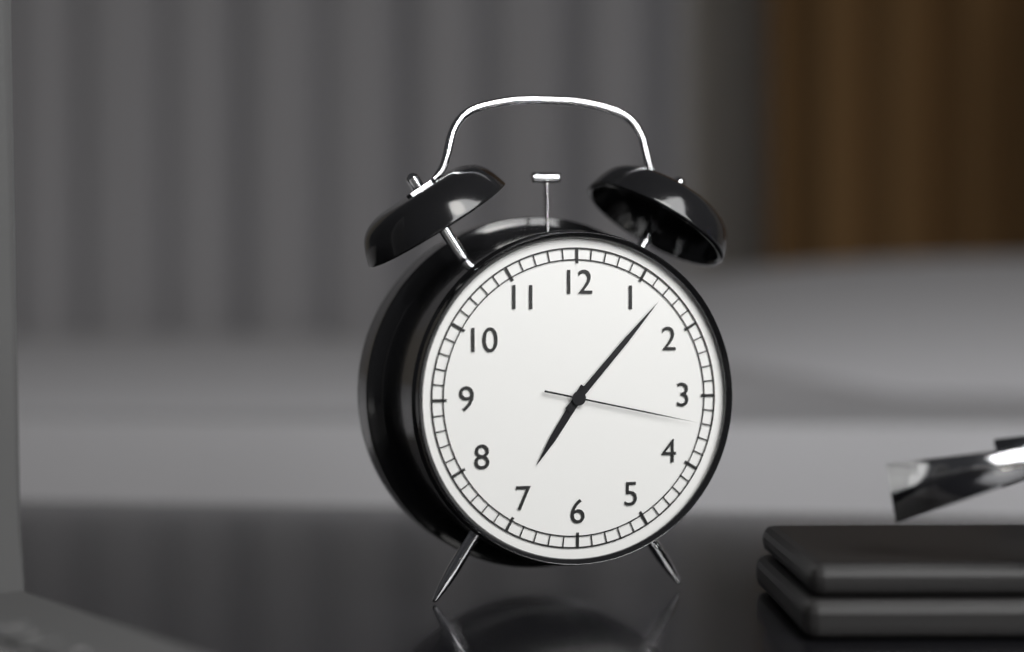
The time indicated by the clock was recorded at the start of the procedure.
7:07:17
